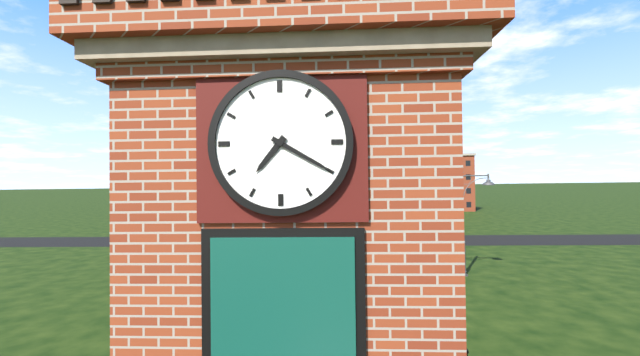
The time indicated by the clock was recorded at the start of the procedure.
7:20
